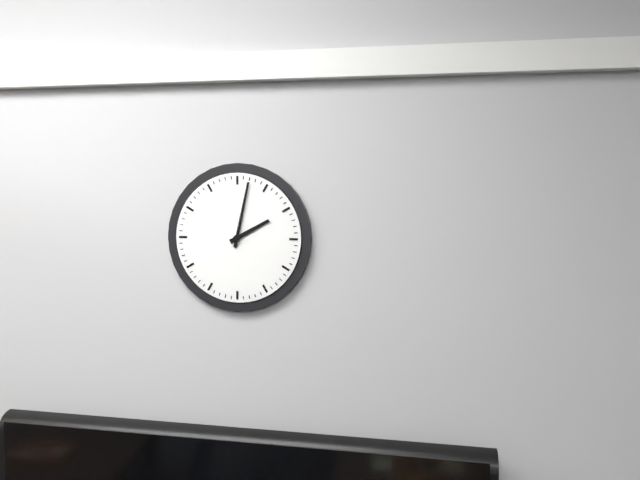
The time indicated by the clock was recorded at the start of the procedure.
2:02
